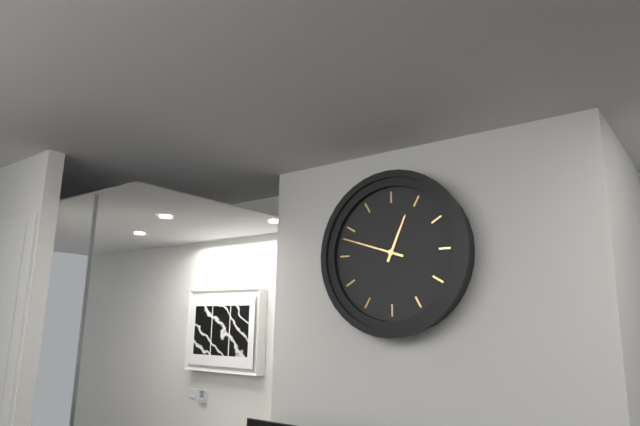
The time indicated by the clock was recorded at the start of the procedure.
12:48
